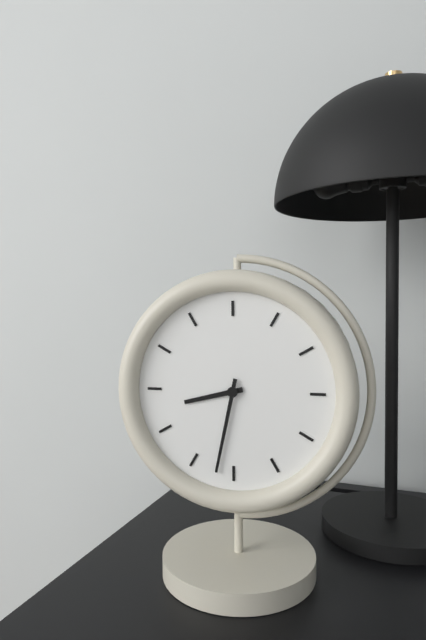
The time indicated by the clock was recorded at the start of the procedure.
8:32
